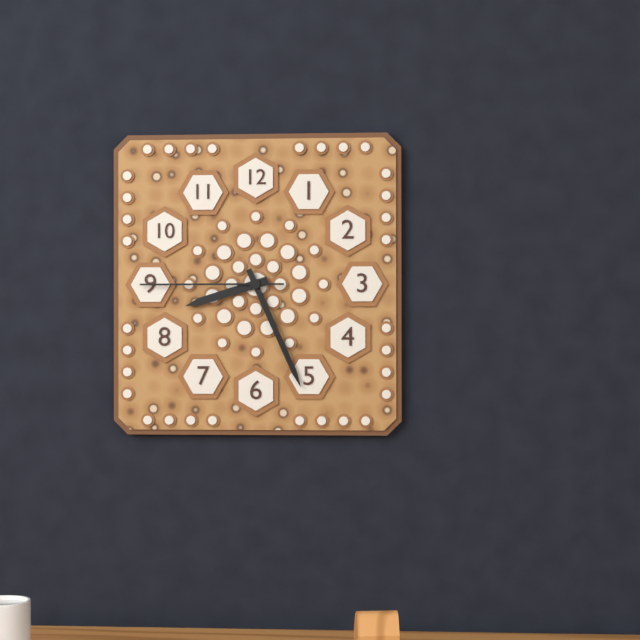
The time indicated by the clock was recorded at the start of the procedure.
8:26:45
